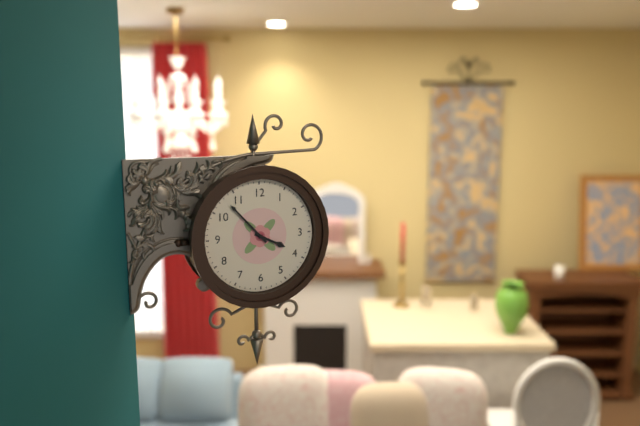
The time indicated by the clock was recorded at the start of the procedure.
3:53
